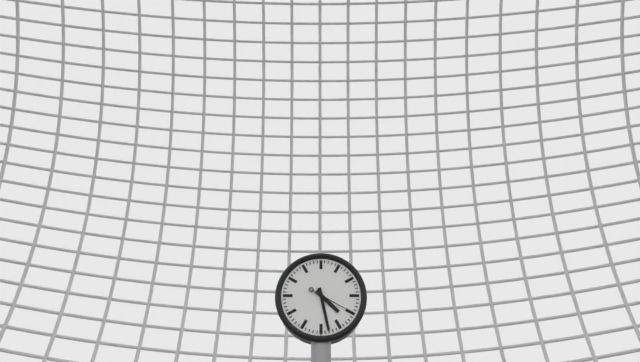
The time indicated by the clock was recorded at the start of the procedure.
4:28
